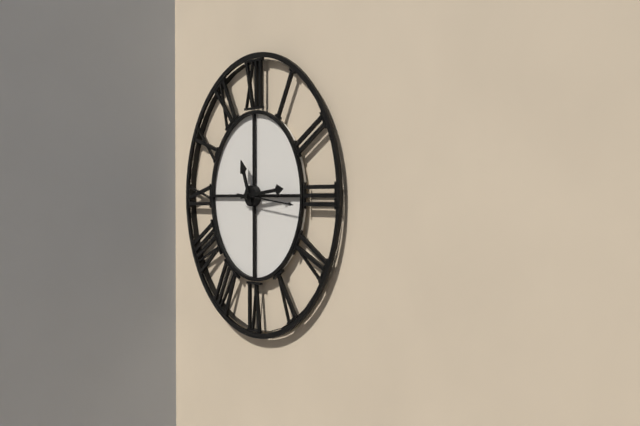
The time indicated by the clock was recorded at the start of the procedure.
11:14:16
